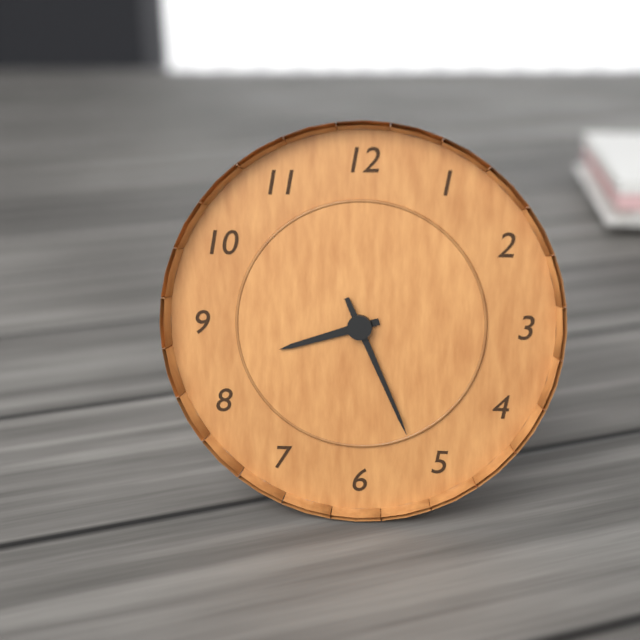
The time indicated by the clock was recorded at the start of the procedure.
8:26
